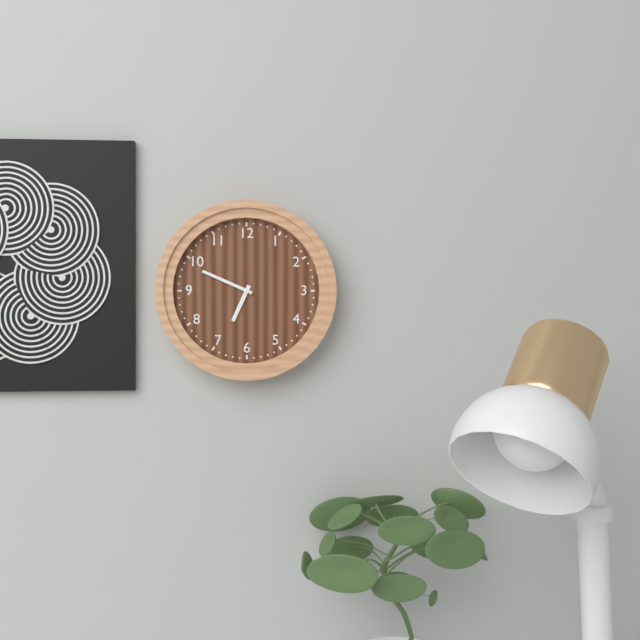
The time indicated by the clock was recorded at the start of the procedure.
6:49
